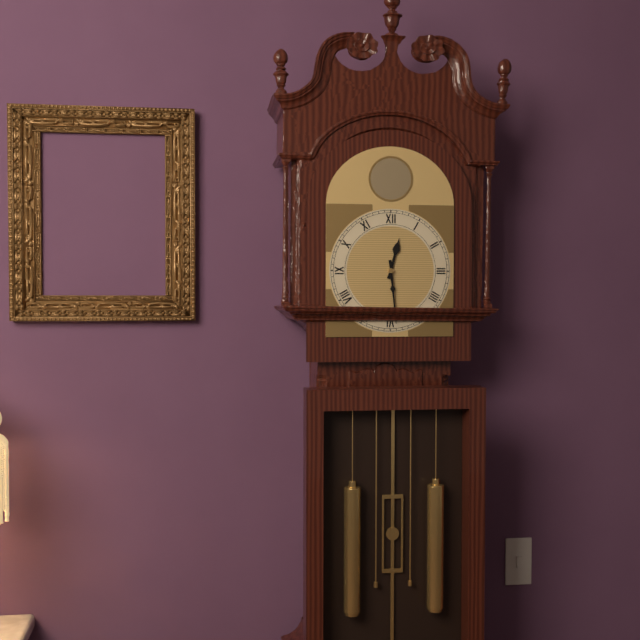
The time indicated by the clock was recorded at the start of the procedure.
12:29
